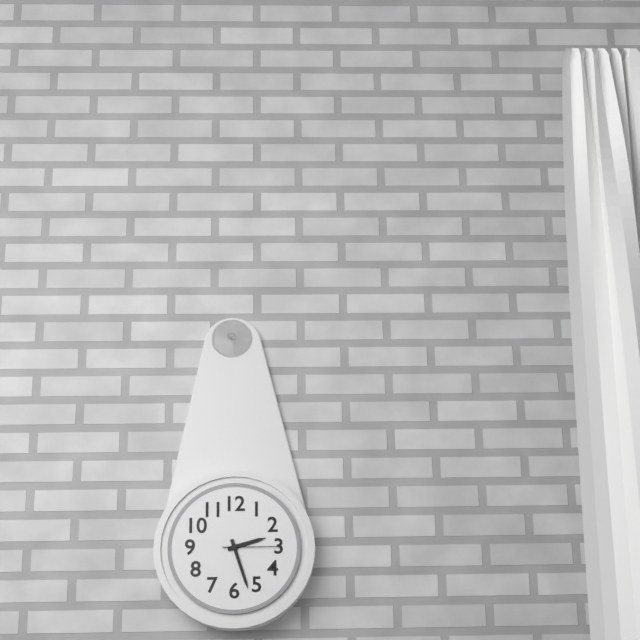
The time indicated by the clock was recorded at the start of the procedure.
2:27:15
